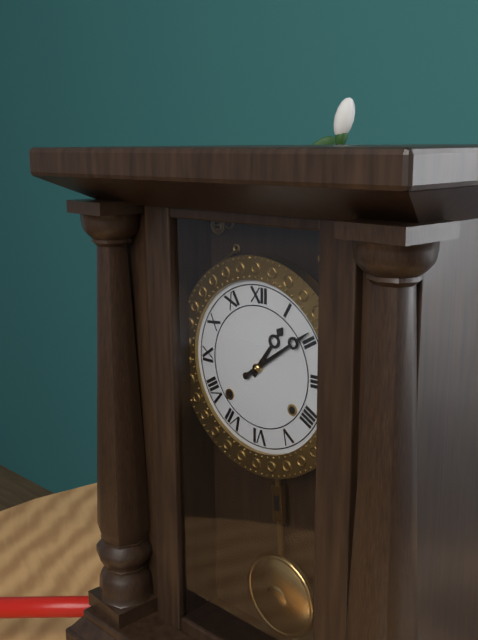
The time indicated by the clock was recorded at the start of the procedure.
1:09
